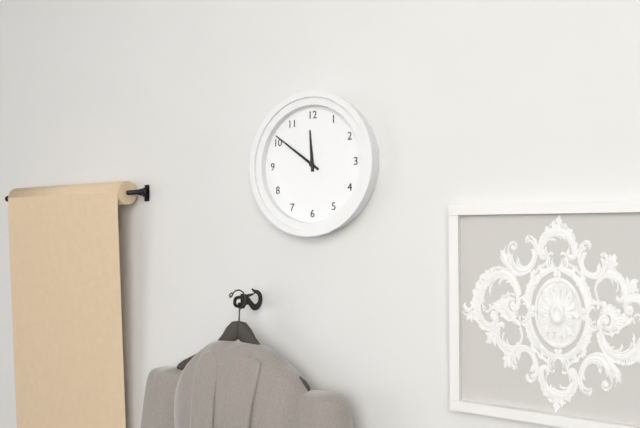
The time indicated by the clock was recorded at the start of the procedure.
11:51
